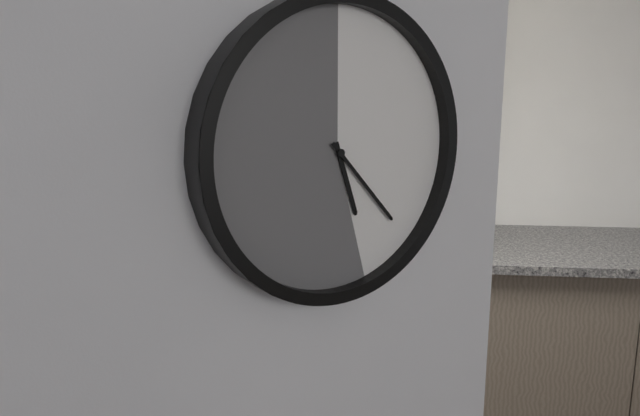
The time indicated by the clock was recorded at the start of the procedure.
5:23
